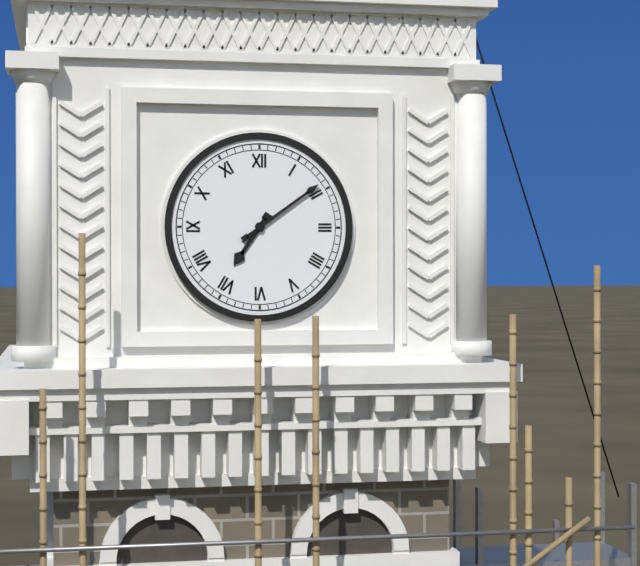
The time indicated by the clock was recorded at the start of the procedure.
7:09
